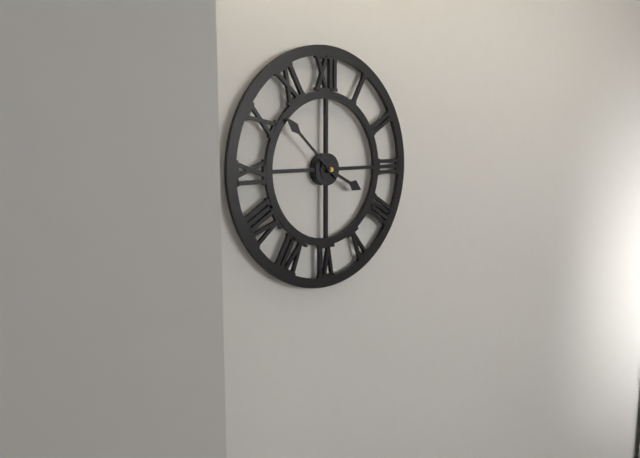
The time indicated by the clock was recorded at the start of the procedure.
3:52
